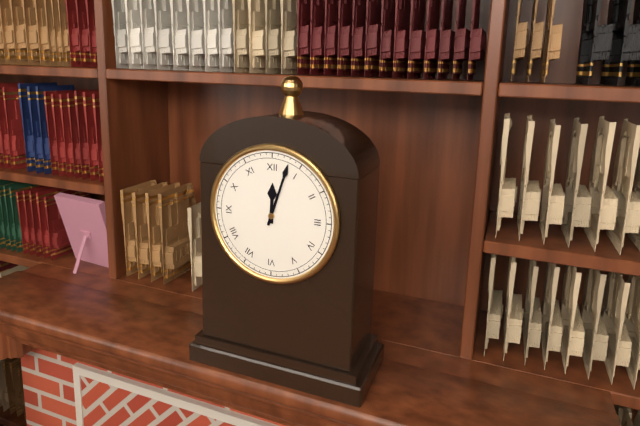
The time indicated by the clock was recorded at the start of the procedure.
12:03
